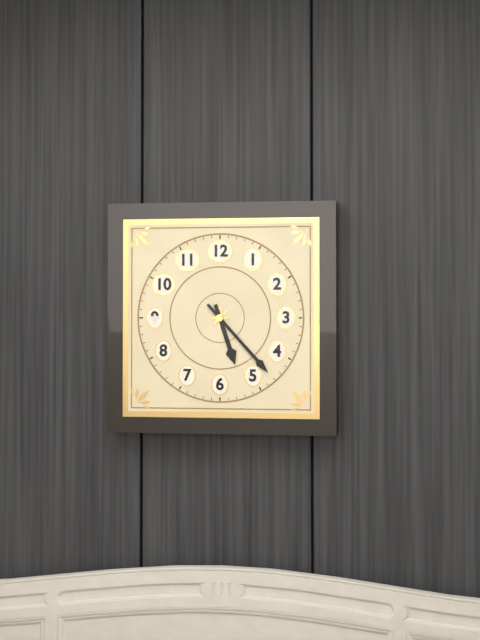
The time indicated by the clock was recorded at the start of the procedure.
5:23
